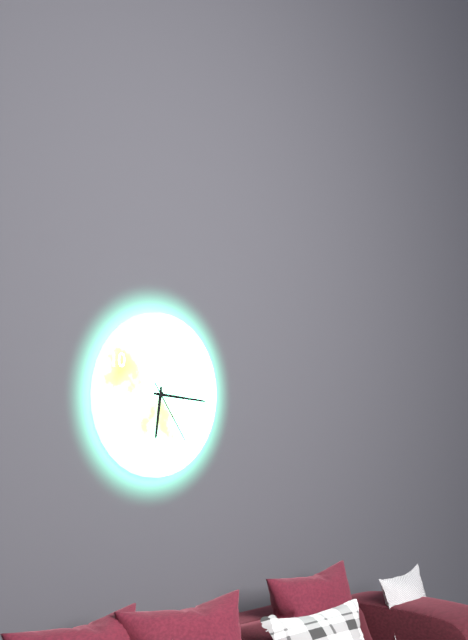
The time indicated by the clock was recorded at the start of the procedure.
6:16:24
